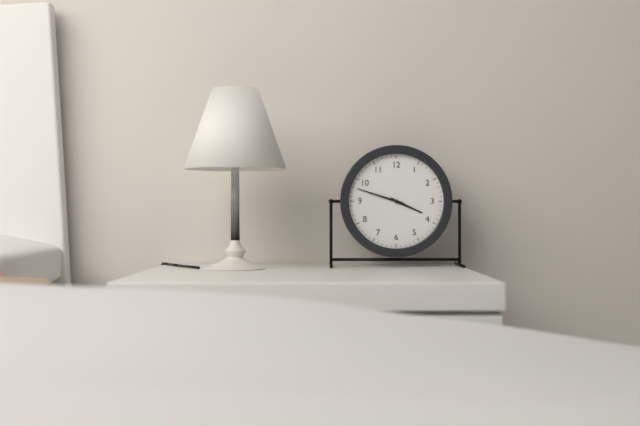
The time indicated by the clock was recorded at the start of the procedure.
3:48
